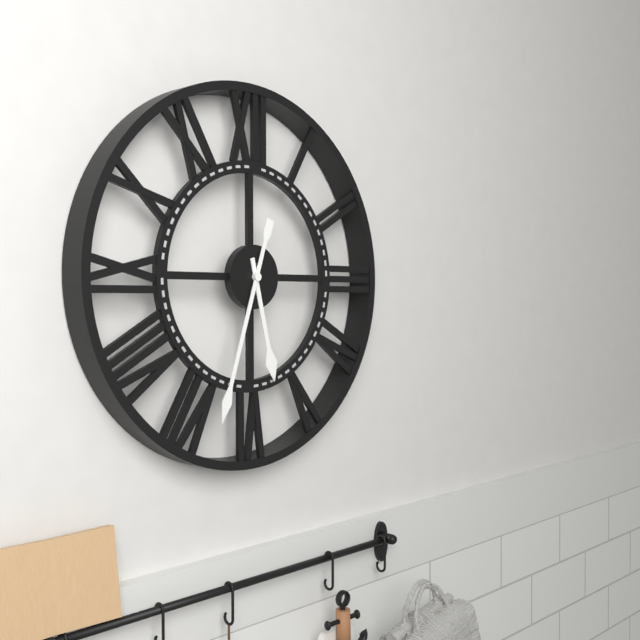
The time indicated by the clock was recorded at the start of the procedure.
5:33
